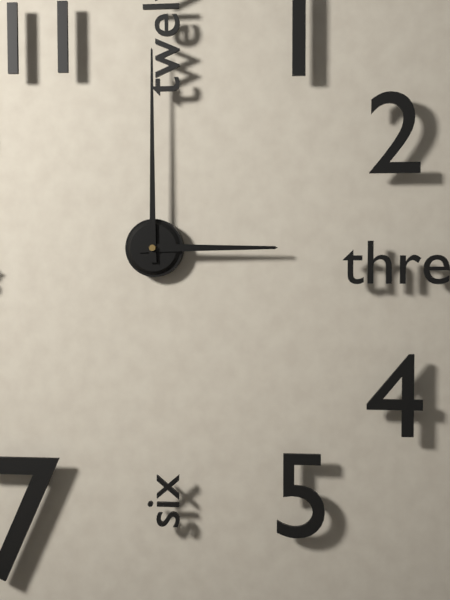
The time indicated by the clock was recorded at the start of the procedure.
3:00
